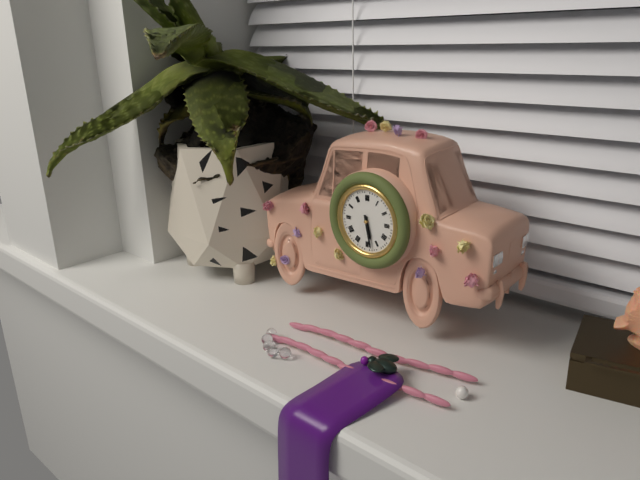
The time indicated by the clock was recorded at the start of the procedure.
5:28
